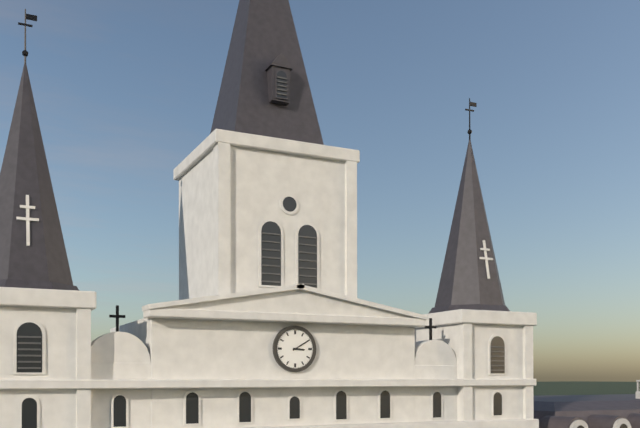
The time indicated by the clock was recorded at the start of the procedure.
3:10
